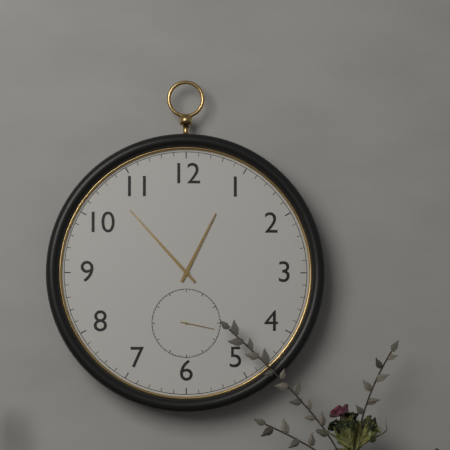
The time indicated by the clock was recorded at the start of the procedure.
12:53
